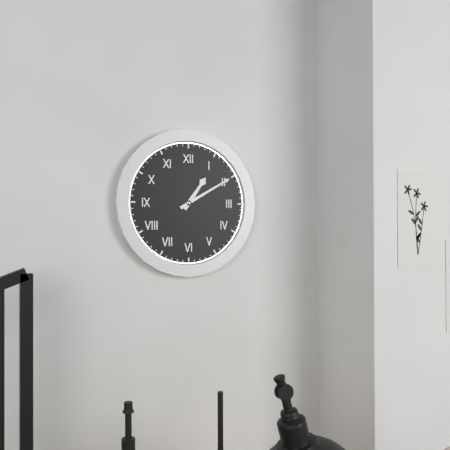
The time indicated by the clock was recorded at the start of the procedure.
1:10
